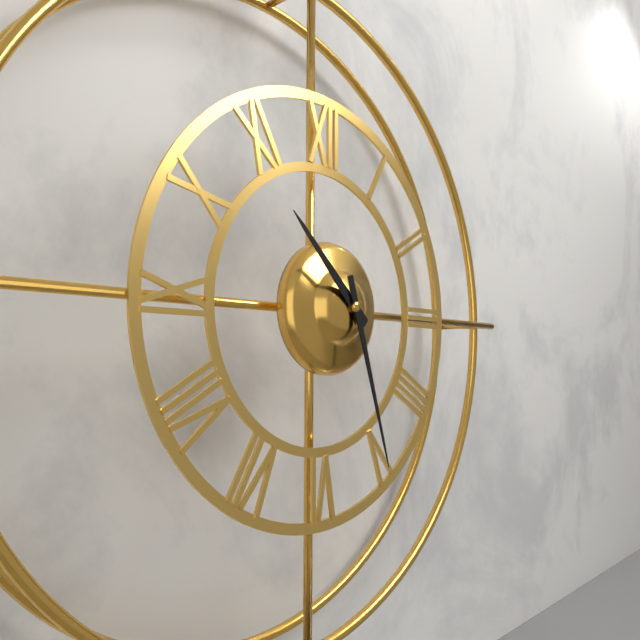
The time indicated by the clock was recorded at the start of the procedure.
10:27
